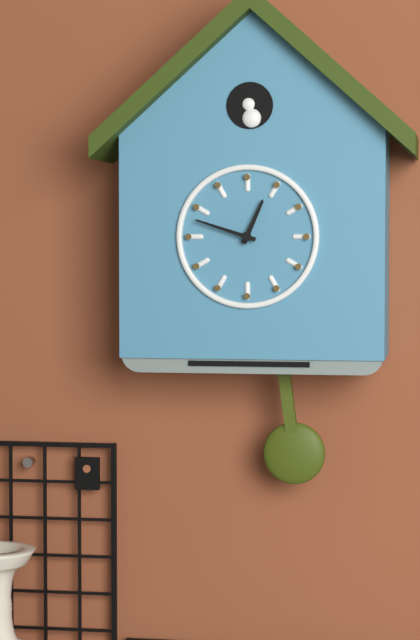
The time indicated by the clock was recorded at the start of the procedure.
12:48
